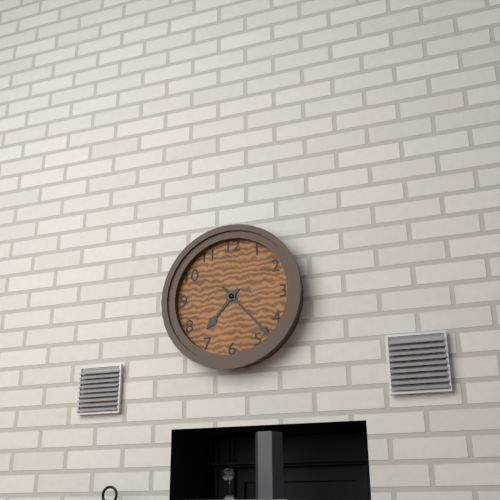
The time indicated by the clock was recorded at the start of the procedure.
7:23
